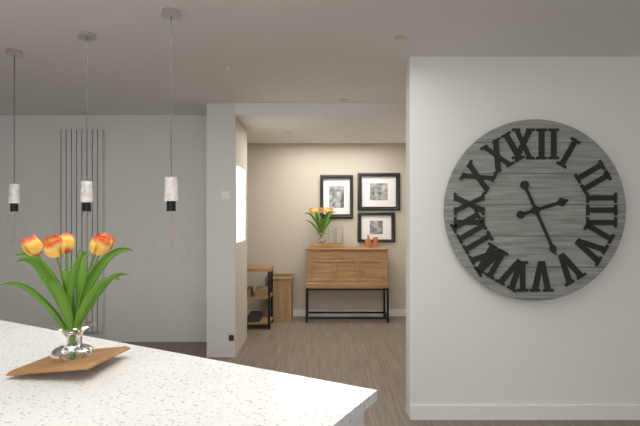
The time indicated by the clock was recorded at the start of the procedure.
2:26
